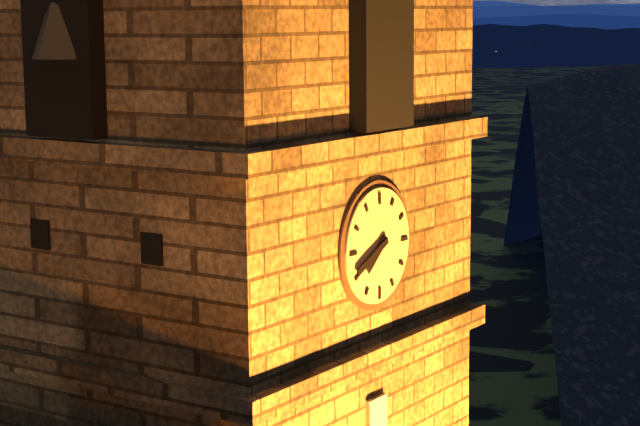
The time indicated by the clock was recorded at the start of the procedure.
7:41
